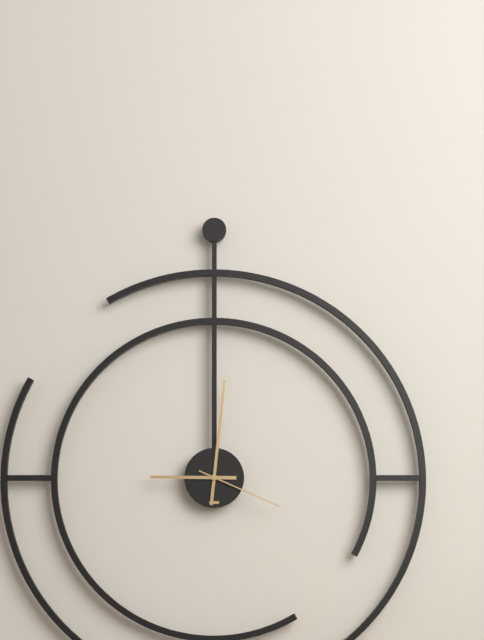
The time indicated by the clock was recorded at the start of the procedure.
9:01:19
